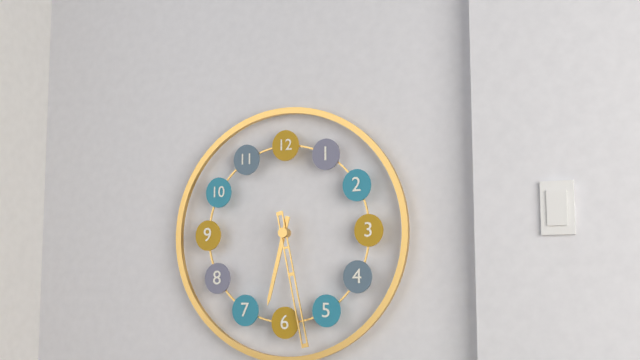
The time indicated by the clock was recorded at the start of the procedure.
6:28
